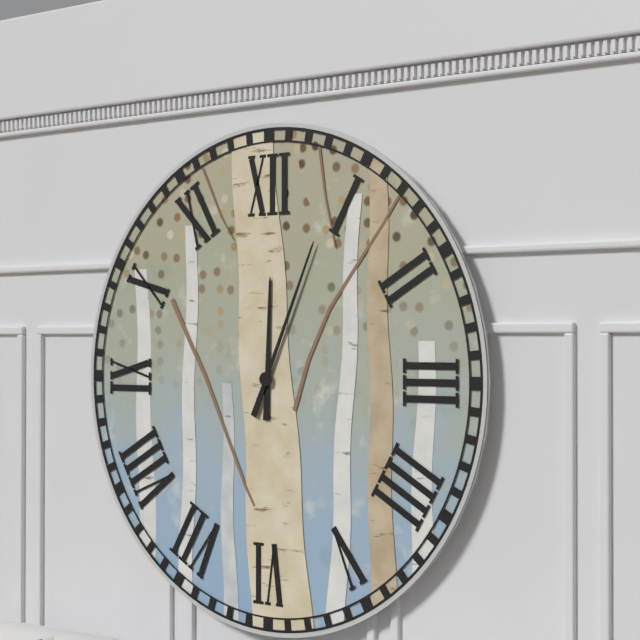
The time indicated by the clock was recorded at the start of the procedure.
12:04
